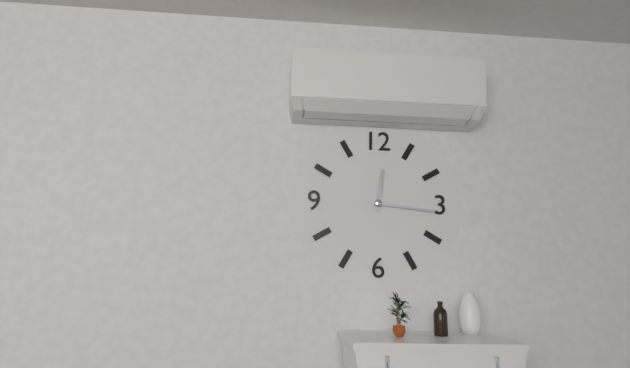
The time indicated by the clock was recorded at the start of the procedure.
12:16
